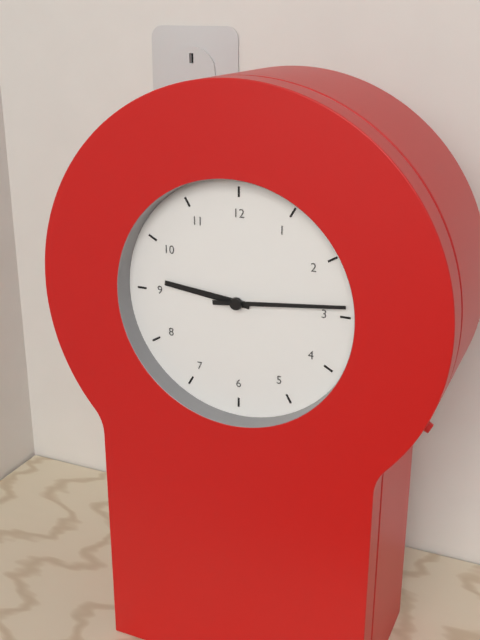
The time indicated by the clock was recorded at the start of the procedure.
9:14
